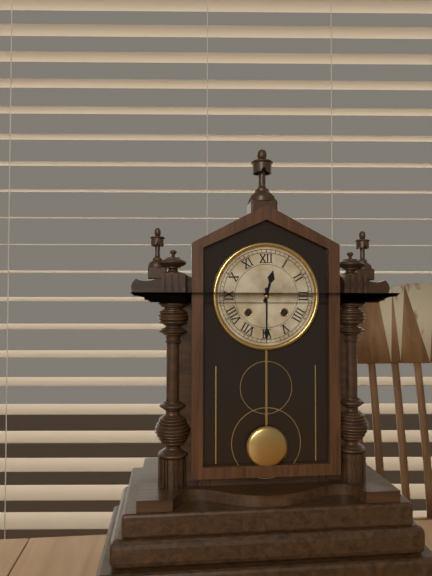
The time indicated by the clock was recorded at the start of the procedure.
12:30
